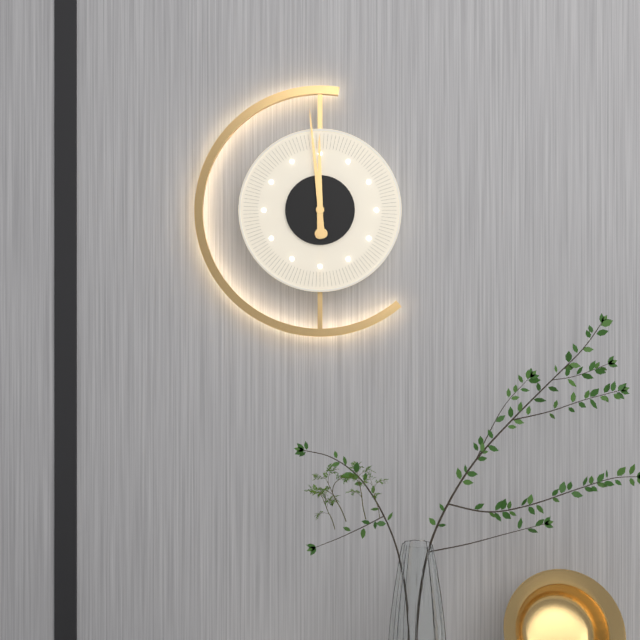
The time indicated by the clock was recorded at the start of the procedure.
11:59
